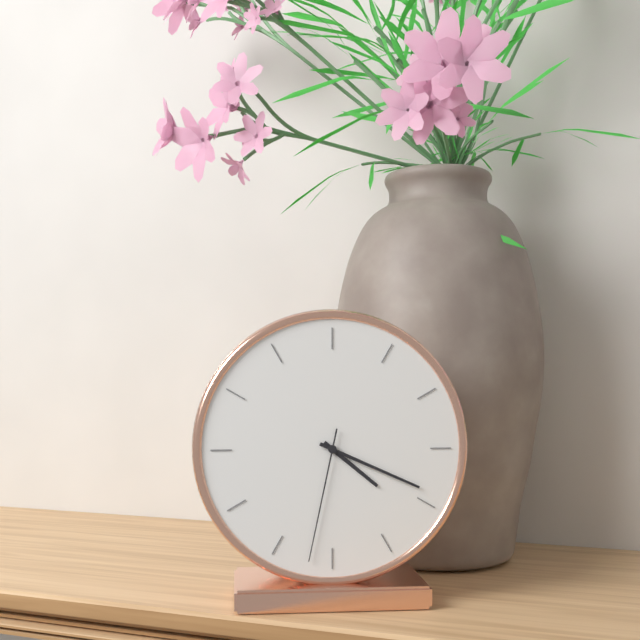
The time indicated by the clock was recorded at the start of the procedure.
4:19:32
